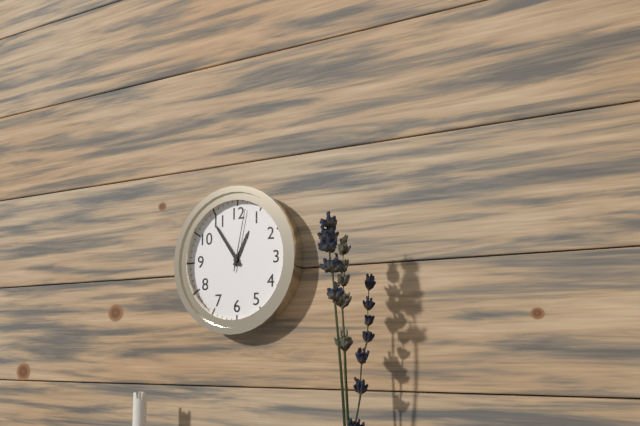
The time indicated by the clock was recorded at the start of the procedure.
12:54:02
